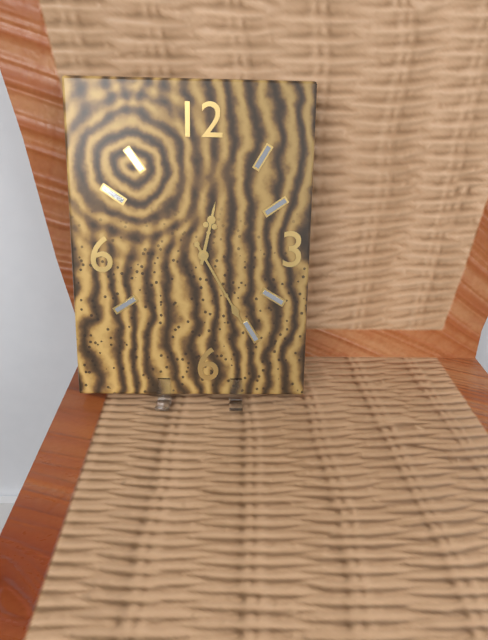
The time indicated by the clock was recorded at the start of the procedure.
12:25
